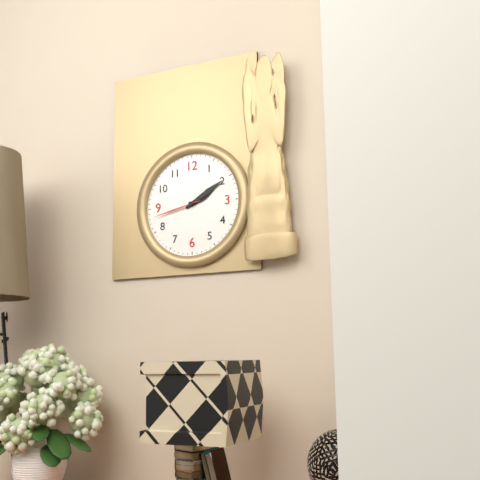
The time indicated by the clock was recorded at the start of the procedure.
2:10:43
